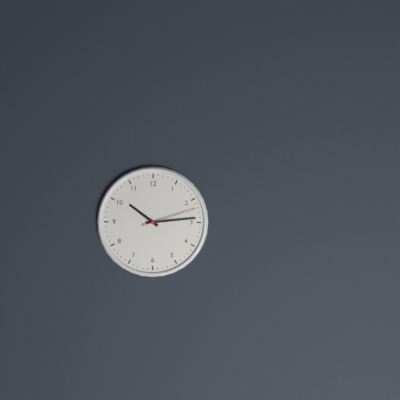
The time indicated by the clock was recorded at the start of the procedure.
10:14:12
